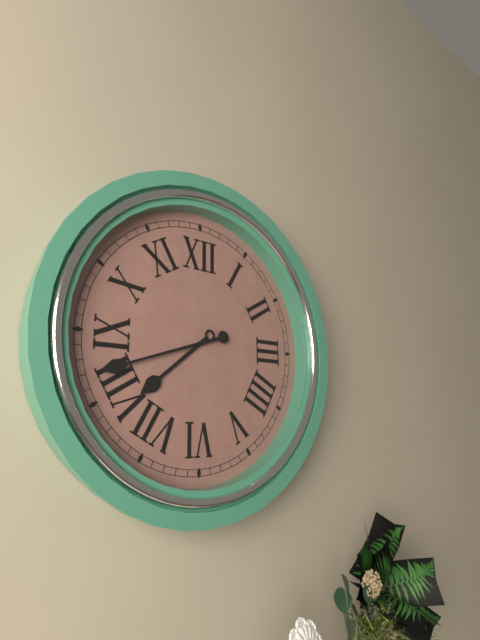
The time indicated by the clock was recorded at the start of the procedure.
7:42
